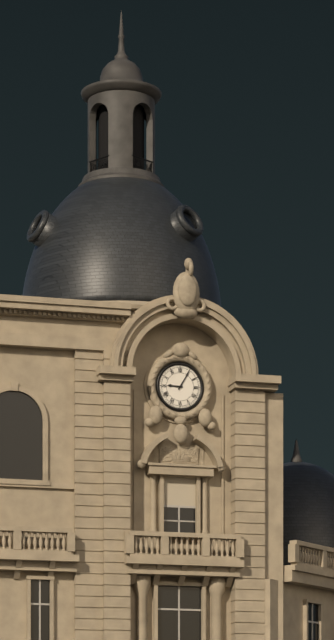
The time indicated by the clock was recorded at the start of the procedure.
9:05
